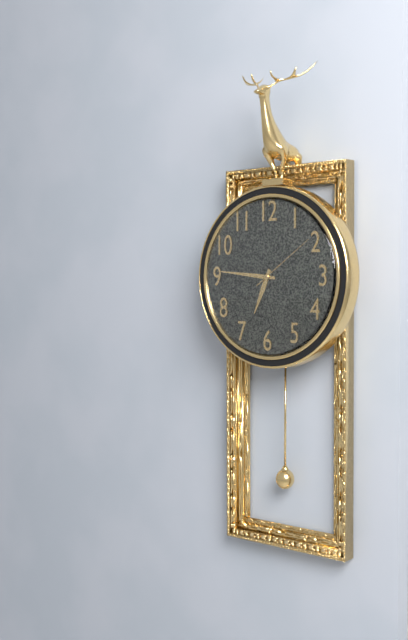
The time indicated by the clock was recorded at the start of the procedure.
6:46:09
